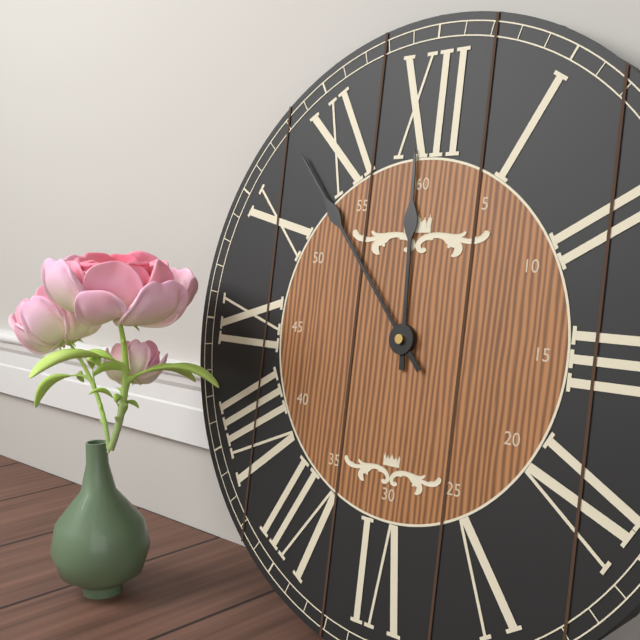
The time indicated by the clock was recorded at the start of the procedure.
11:53
